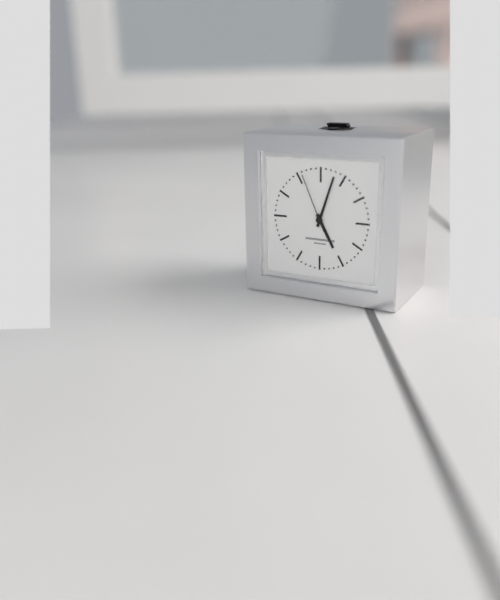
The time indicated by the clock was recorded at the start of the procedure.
5:03:56
